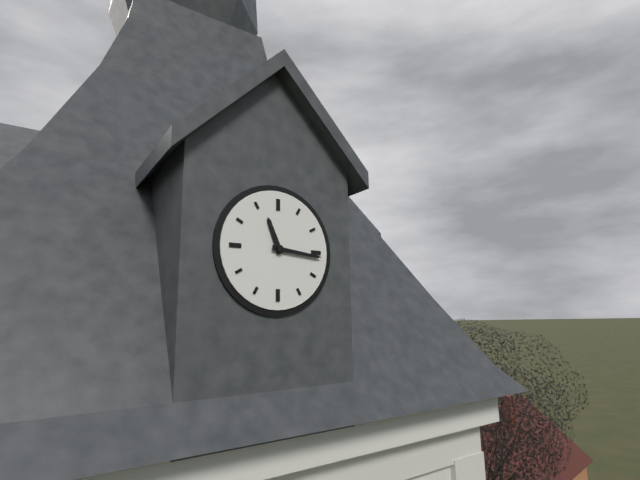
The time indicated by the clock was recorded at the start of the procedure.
11:16
